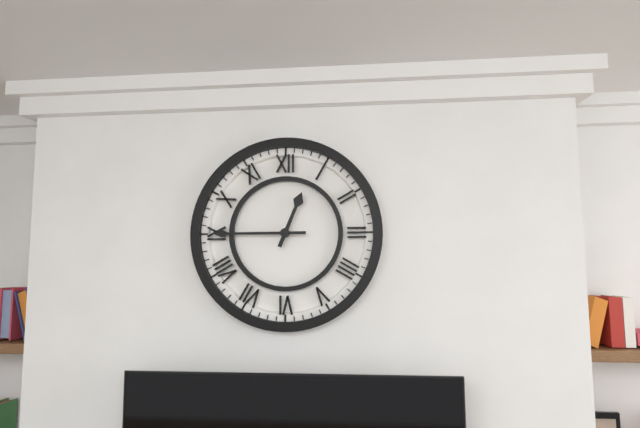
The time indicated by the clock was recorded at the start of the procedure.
12:45
